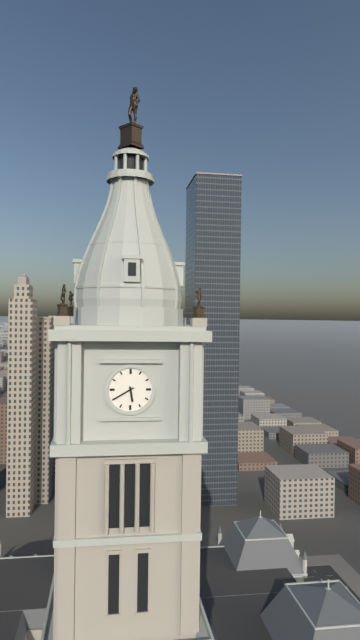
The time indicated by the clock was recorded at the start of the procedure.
5:40
